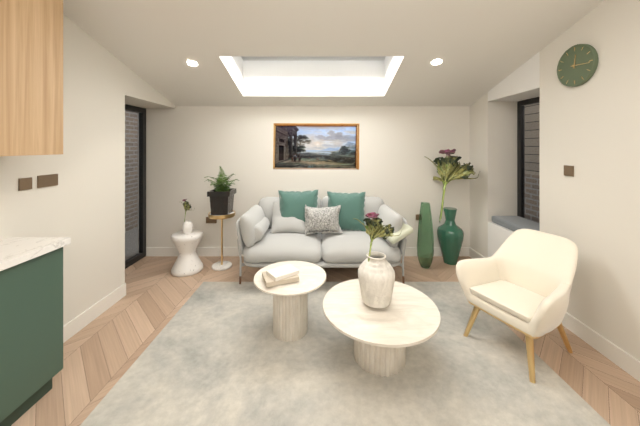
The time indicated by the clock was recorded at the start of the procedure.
12:16
